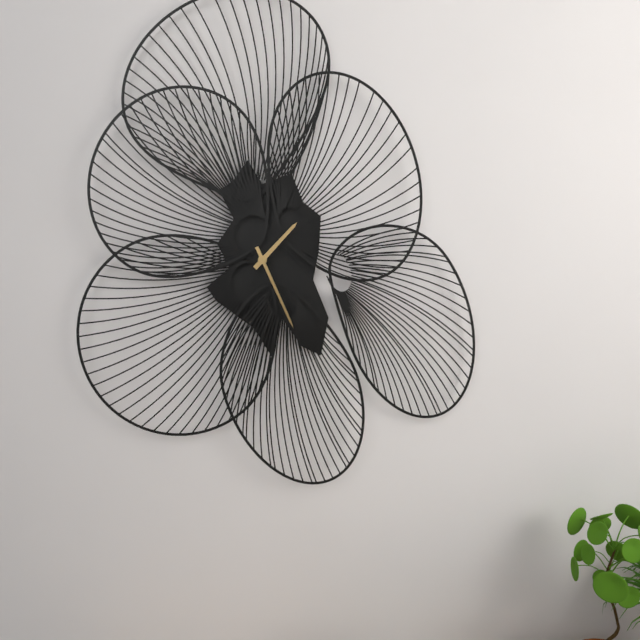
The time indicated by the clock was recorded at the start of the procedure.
1:26
